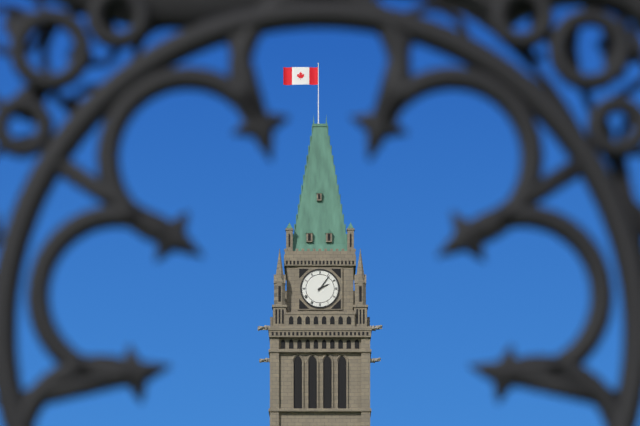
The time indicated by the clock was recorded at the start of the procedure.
2:06
